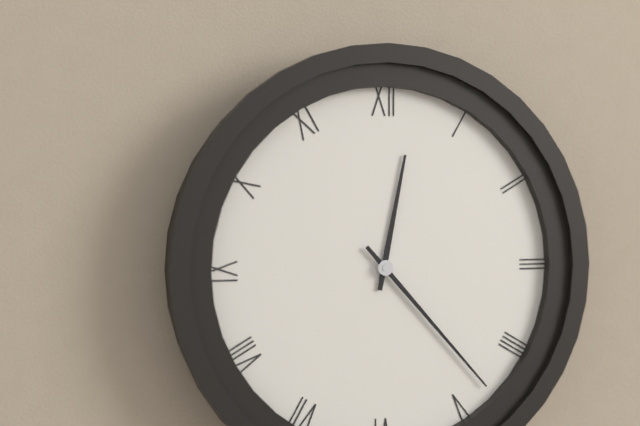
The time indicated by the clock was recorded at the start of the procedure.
12:23
